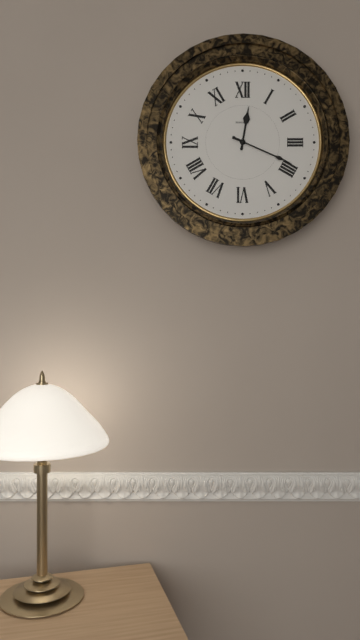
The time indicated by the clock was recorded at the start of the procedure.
12:19
